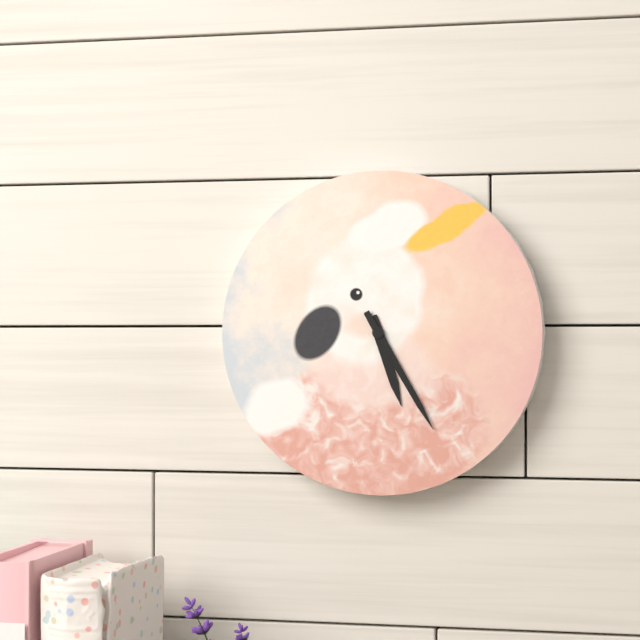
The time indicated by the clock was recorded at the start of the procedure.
5:25
